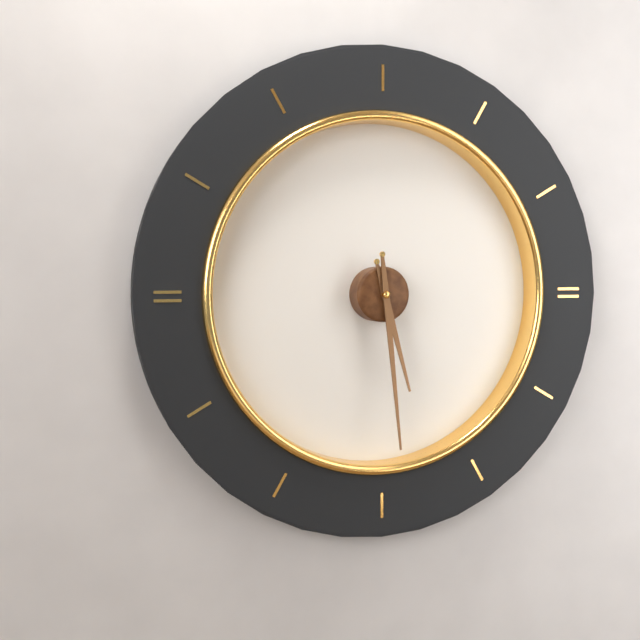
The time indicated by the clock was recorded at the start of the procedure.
5:29
